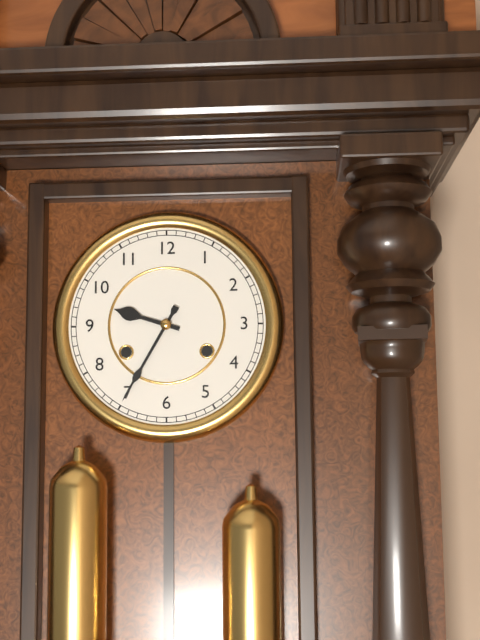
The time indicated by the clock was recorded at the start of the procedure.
9:35
